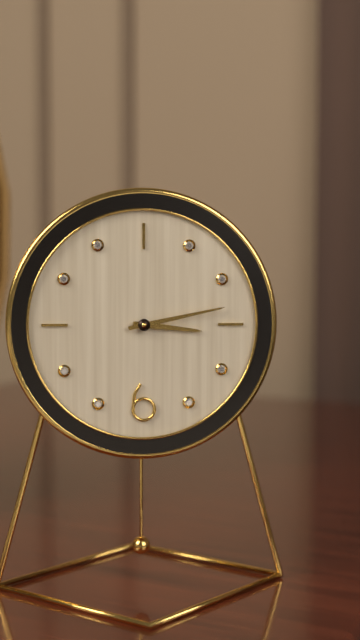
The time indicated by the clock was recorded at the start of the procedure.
3:13
